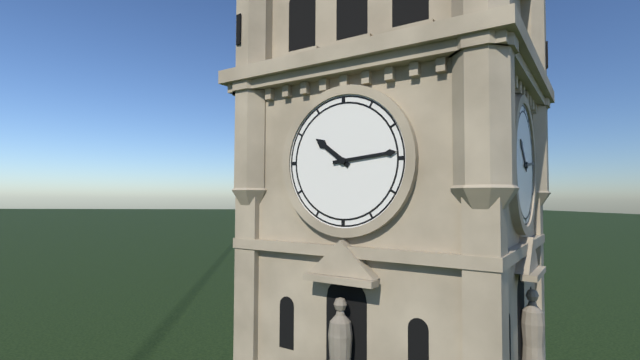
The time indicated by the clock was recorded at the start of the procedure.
10:14
